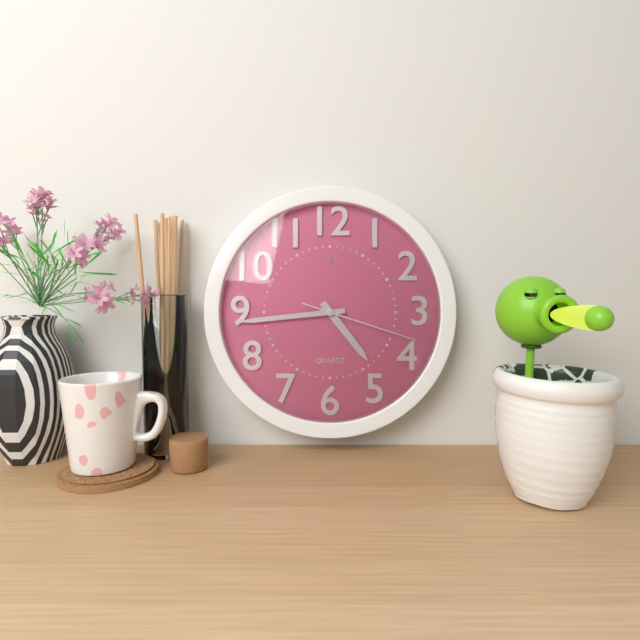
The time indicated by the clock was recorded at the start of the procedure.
4:44:18
